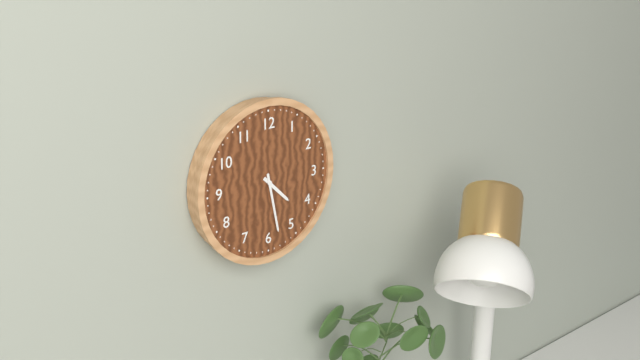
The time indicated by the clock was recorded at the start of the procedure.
4:28
